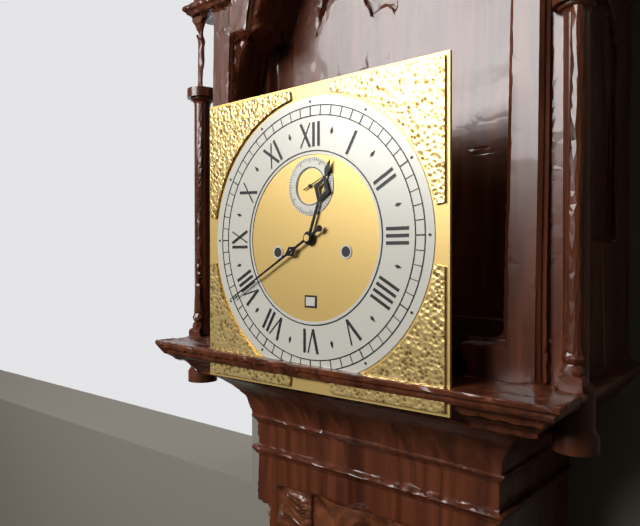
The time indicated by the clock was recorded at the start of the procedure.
12:40
